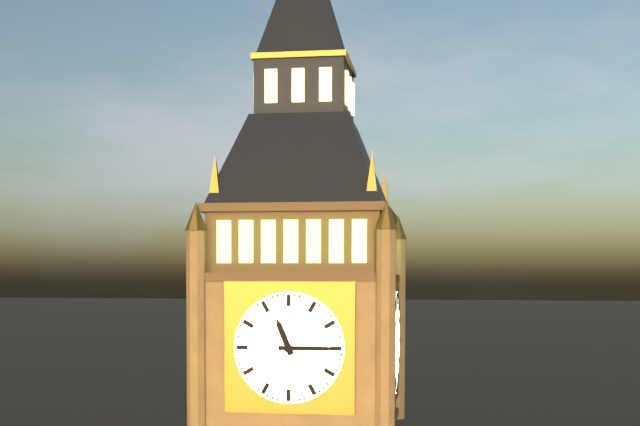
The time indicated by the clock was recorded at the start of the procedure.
11:15
